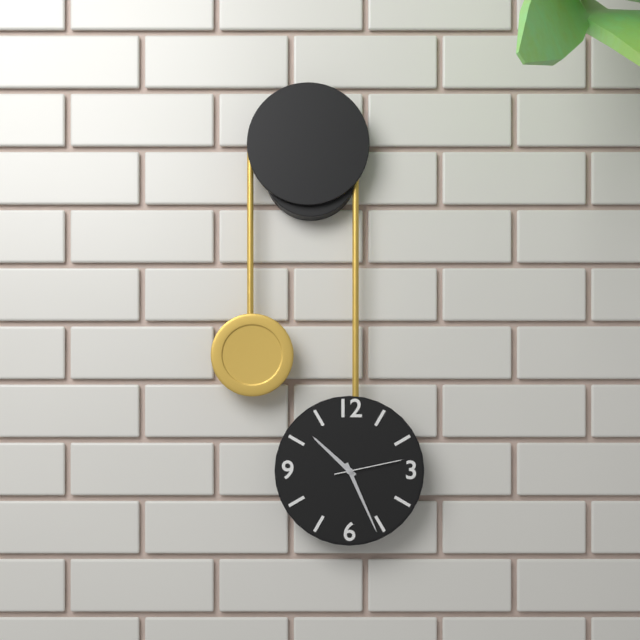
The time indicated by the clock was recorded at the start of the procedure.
10:26:13
